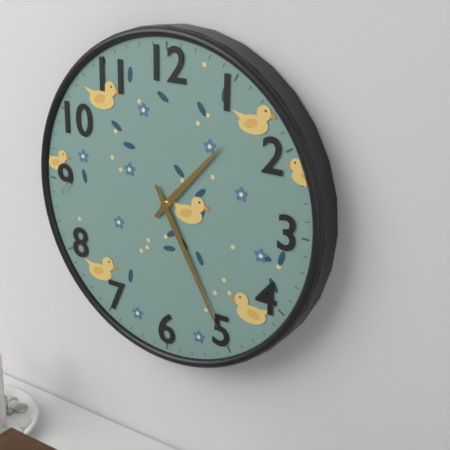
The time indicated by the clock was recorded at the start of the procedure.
1:25
